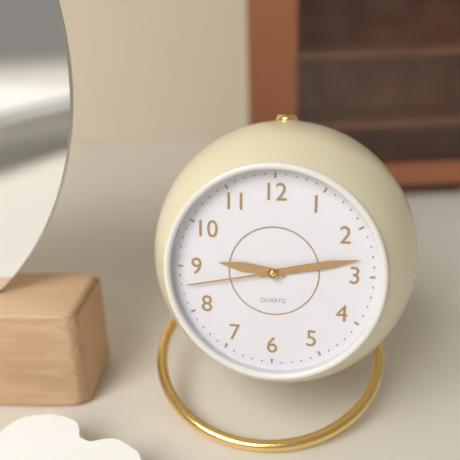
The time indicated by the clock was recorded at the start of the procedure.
9:13:43
